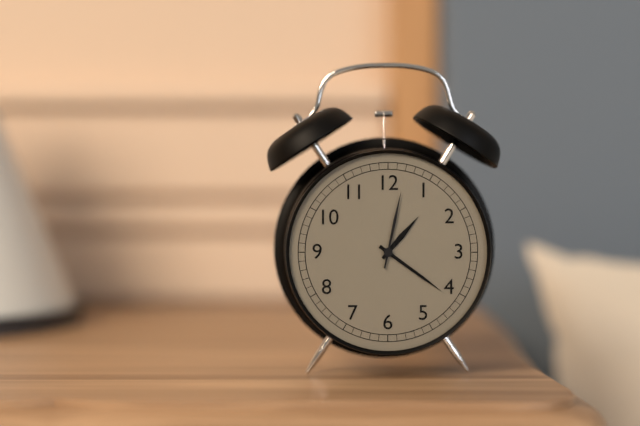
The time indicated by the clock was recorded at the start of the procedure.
1:21:02
